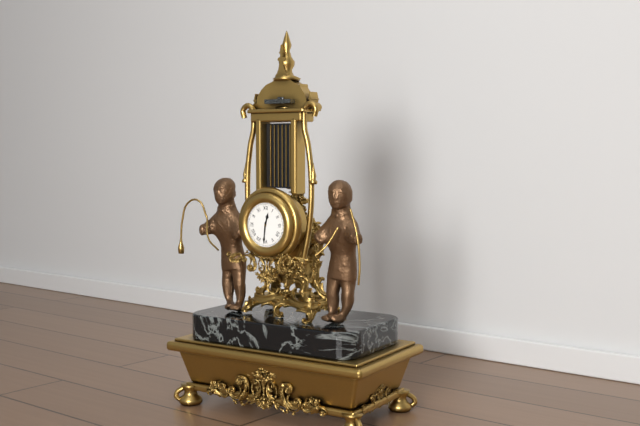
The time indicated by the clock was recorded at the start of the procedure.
12:31
